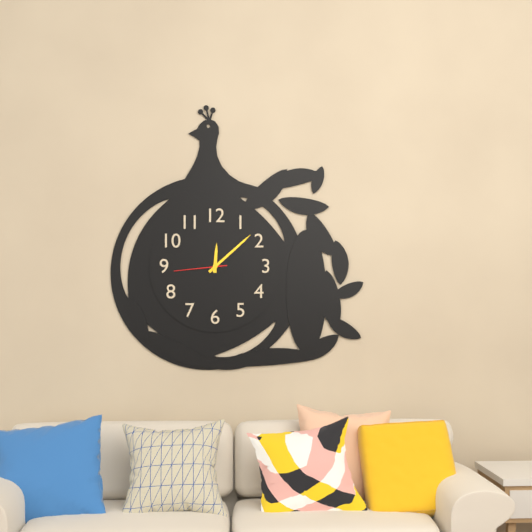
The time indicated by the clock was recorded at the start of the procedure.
12:08:44
